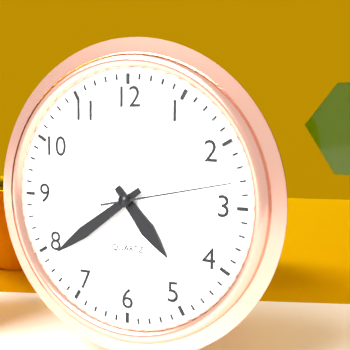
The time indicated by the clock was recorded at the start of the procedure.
4:39:13
